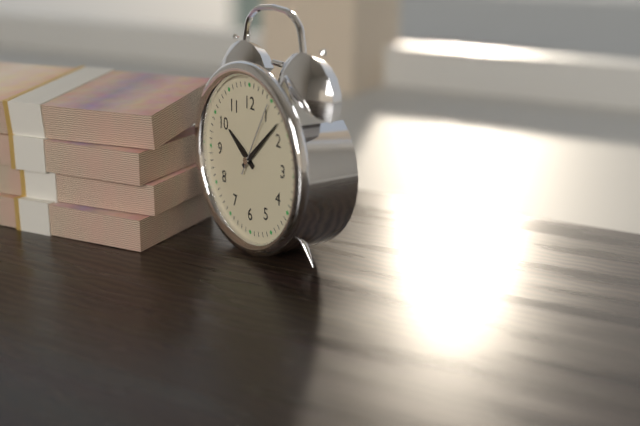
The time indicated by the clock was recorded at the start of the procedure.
10:08:05
